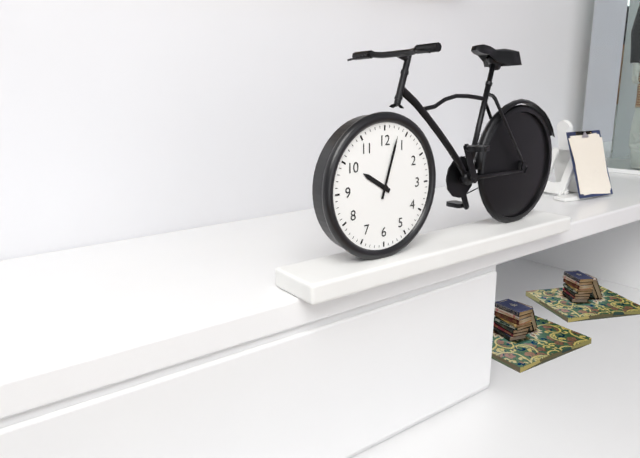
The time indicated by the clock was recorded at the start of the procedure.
10:03
